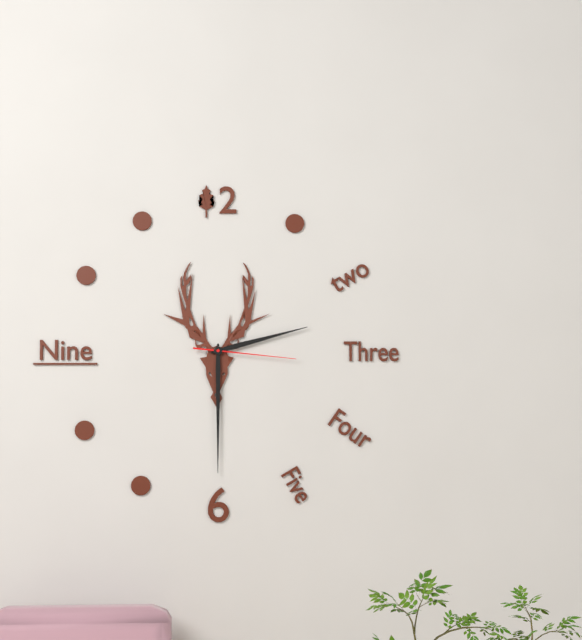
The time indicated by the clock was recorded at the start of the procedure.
2:30:16
